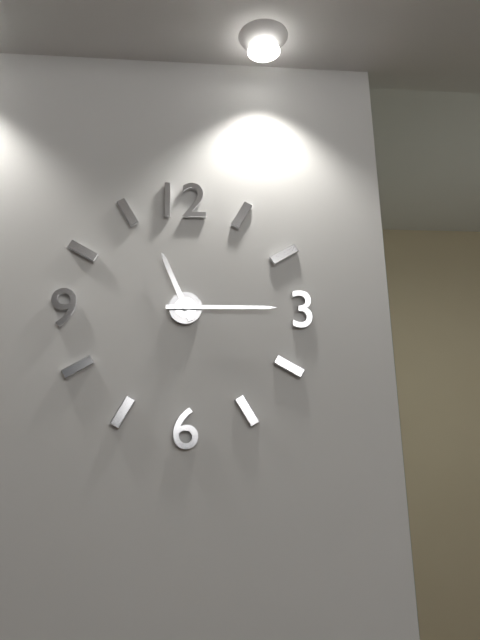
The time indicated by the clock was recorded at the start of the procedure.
11:15
